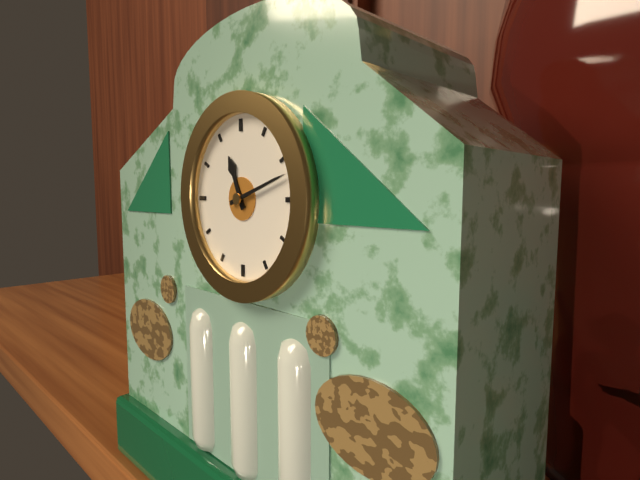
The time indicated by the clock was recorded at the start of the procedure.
11:12
